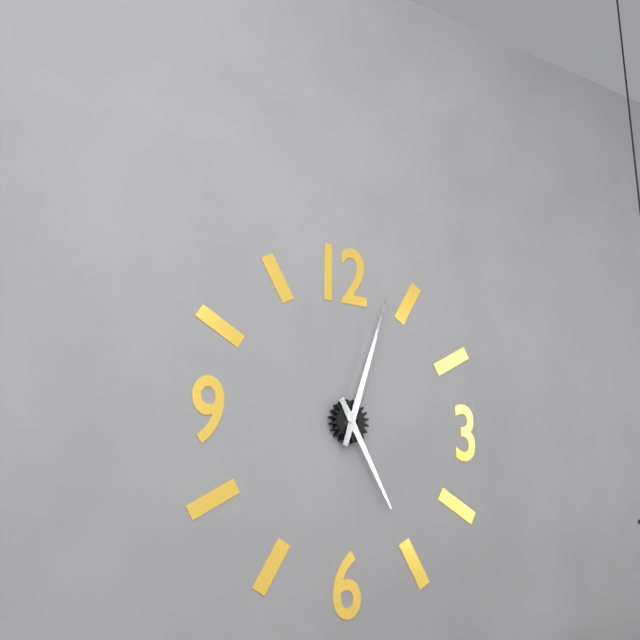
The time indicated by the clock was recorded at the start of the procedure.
5:03
